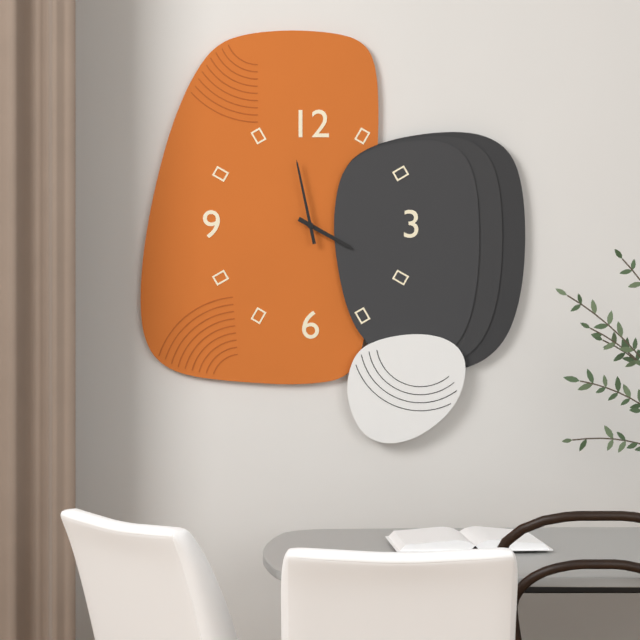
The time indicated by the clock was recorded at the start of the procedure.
3:58
